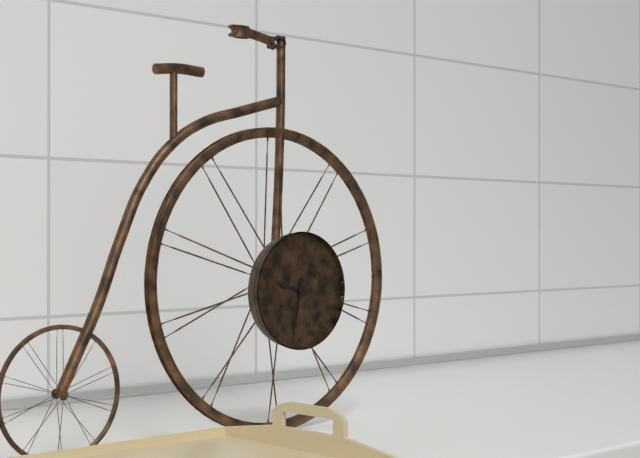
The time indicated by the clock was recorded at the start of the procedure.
9:32
